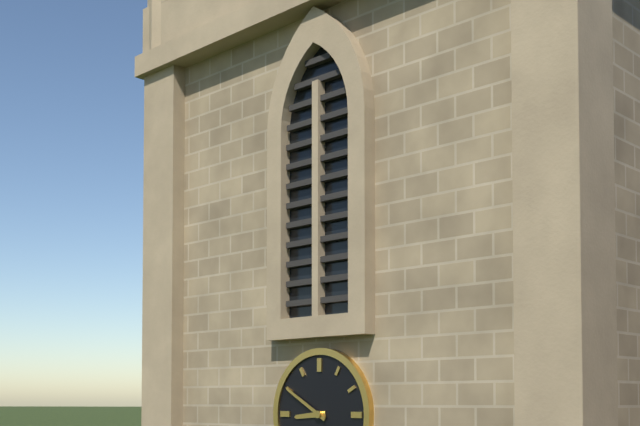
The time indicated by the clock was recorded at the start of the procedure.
8:50
